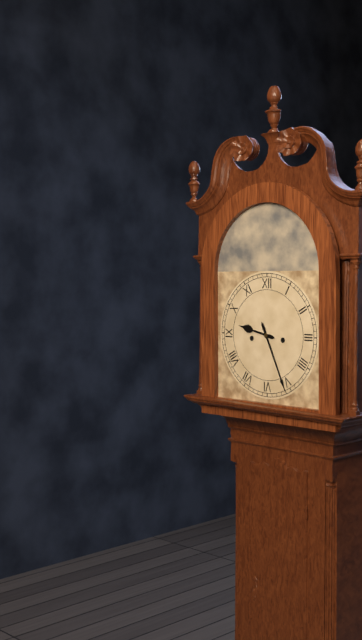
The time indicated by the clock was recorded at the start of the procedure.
9:26
